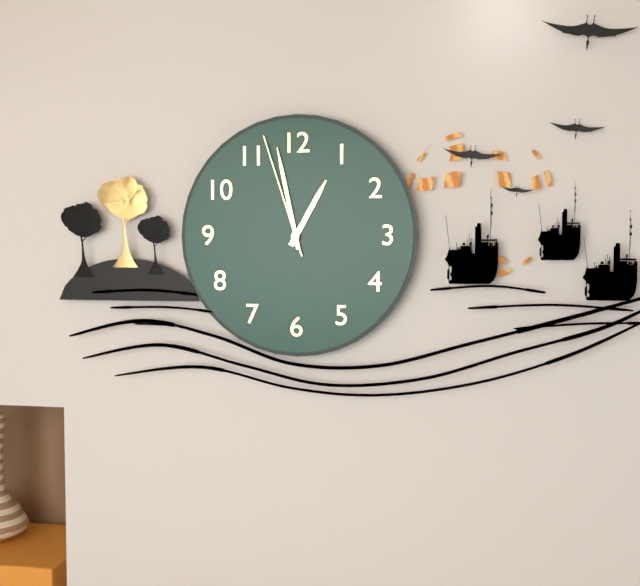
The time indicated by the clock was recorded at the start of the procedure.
12:58:57
